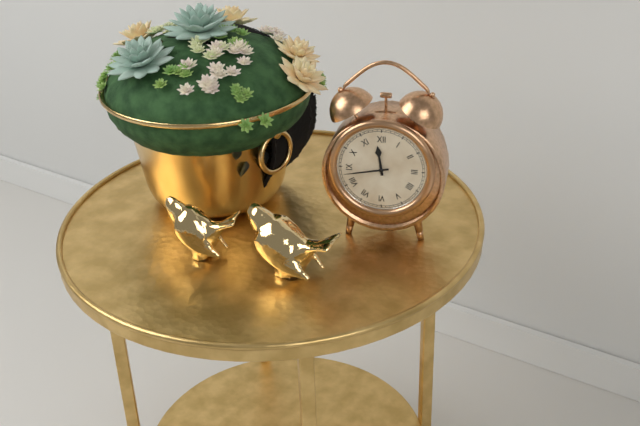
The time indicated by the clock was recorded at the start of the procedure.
11:43
